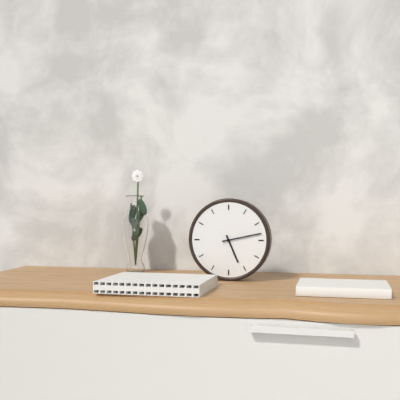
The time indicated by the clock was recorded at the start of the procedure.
5:13
